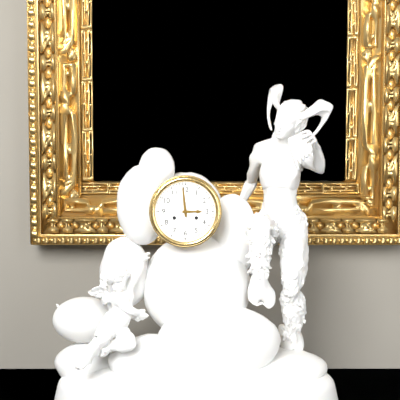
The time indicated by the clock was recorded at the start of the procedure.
2:59
